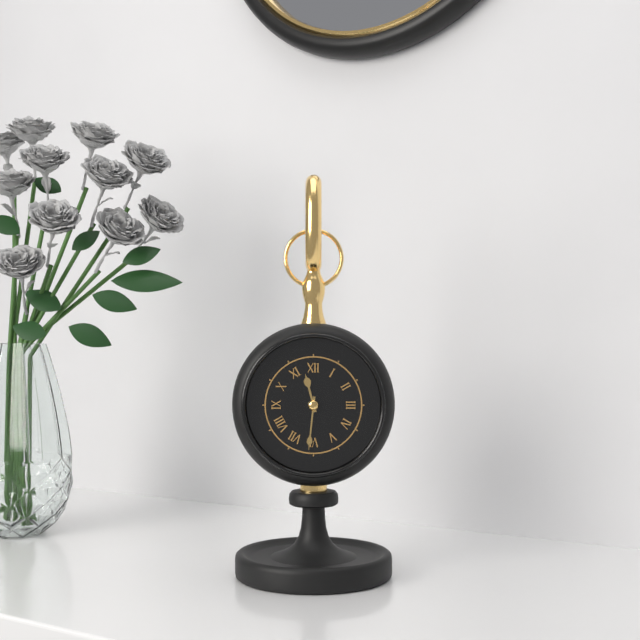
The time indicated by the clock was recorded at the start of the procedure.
11:31
